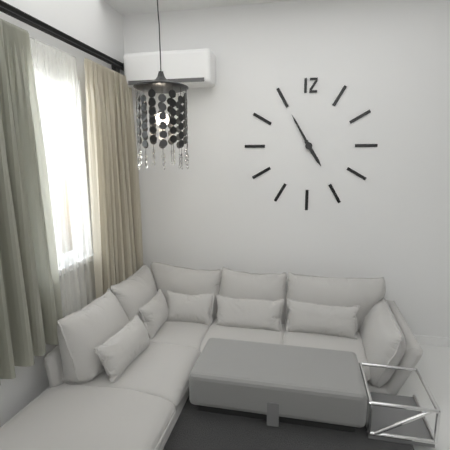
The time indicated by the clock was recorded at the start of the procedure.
4:55
